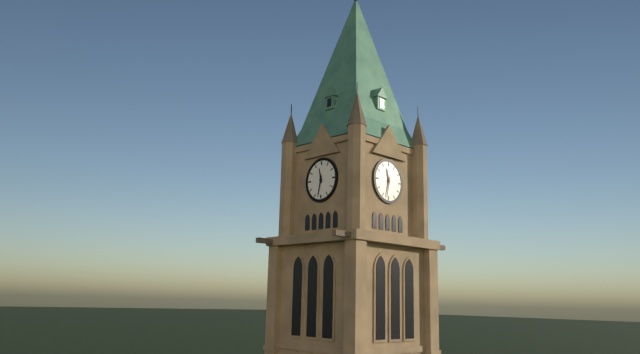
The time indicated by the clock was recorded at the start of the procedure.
11:32
